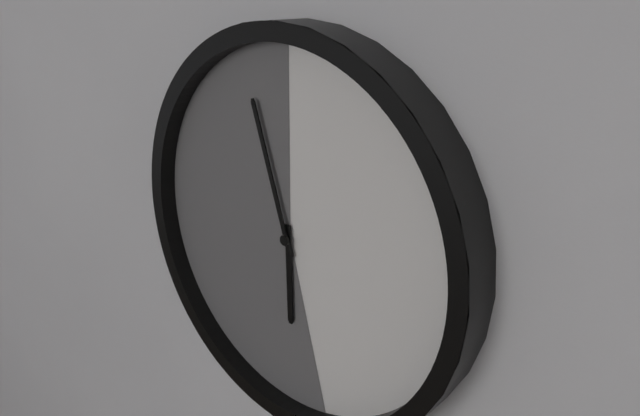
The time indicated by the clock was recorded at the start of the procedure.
5:57
